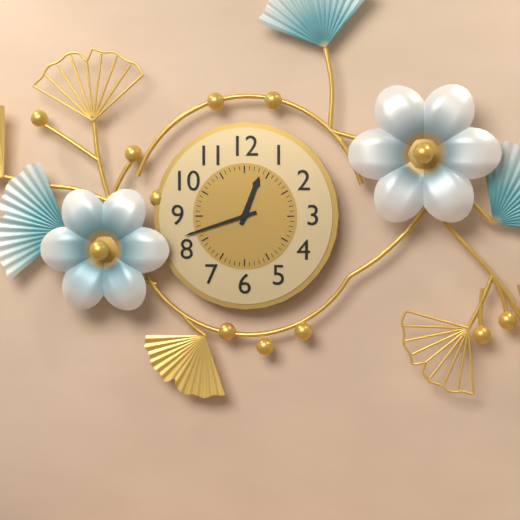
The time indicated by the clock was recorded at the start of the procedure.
12:42
